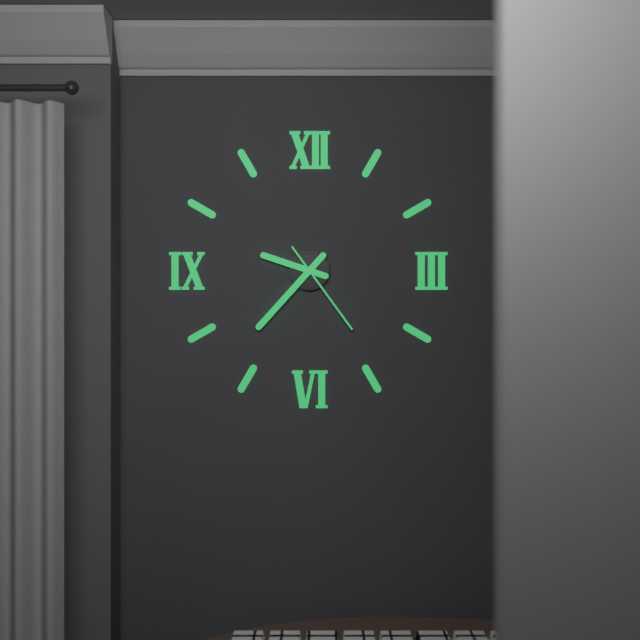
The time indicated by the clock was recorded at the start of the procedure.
9:37:24
